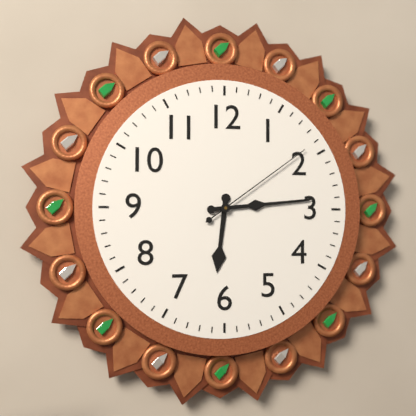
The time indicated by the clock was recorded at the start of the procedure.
6:14:09
